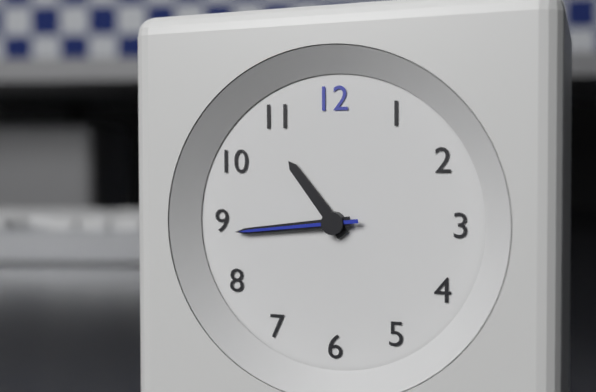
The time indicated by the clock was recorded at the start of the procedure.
10:44:44
